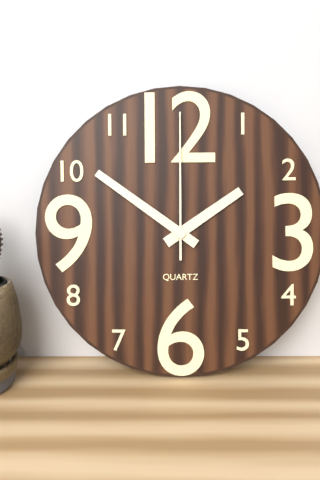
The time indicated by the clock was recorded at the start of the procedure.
1:51:00
